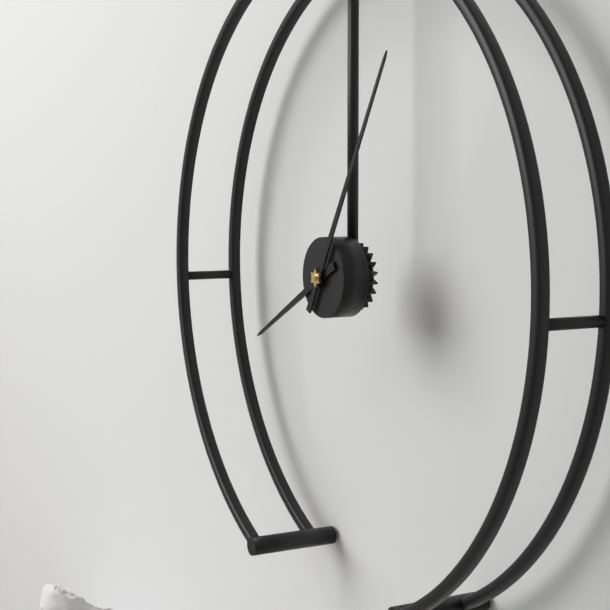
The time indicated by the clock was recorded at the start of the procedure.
8:05
